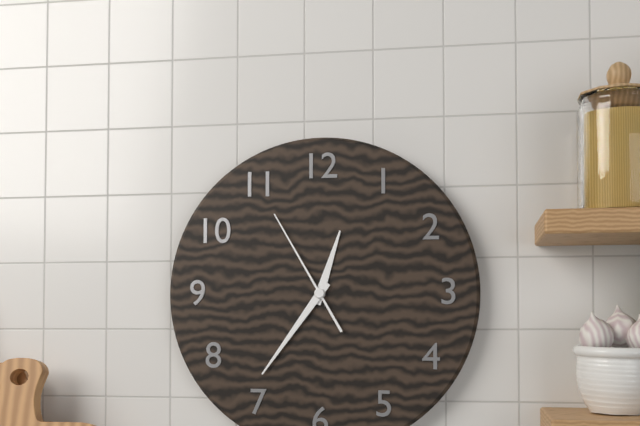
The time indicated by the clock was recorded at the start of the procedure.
12:36:55
